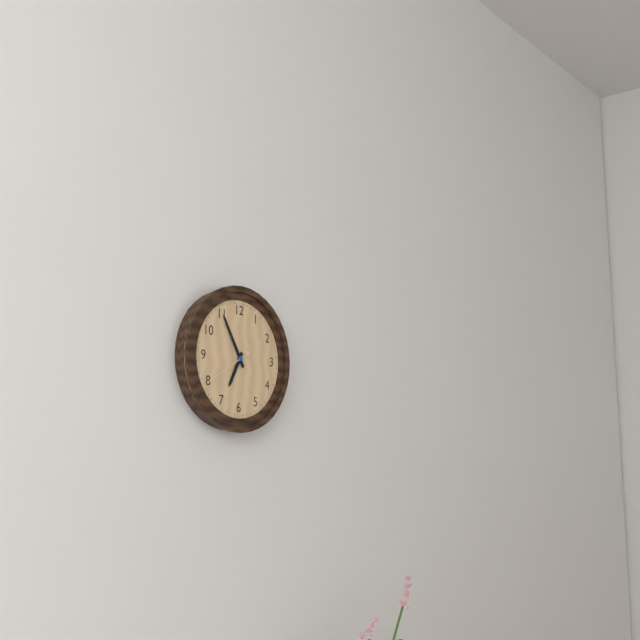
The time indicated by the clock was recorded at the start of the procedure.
6:55
